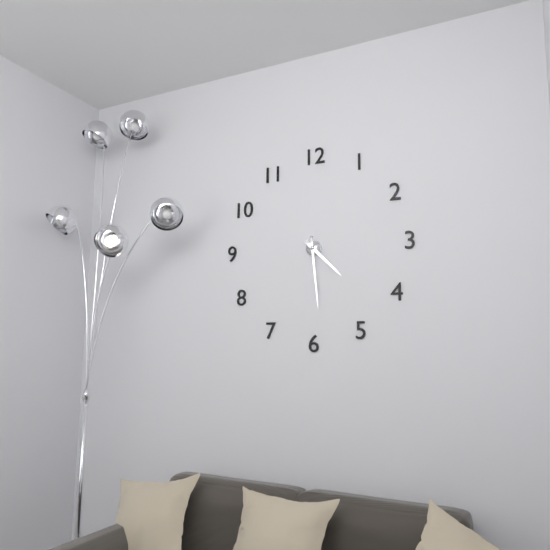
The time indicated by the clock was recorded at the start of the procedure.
4:29
